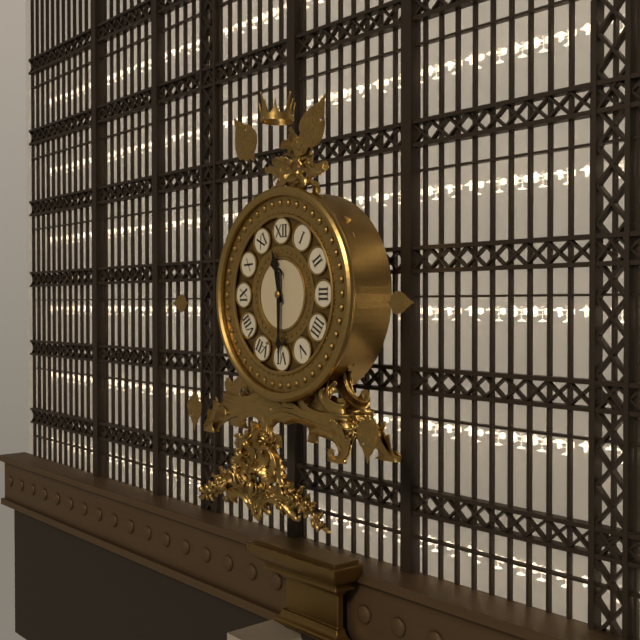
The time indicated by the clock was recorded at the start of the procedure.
11:30
